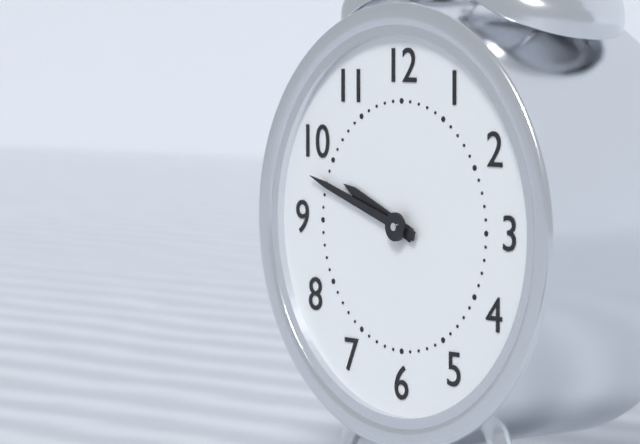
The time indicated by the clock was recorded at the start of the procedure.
9:48
